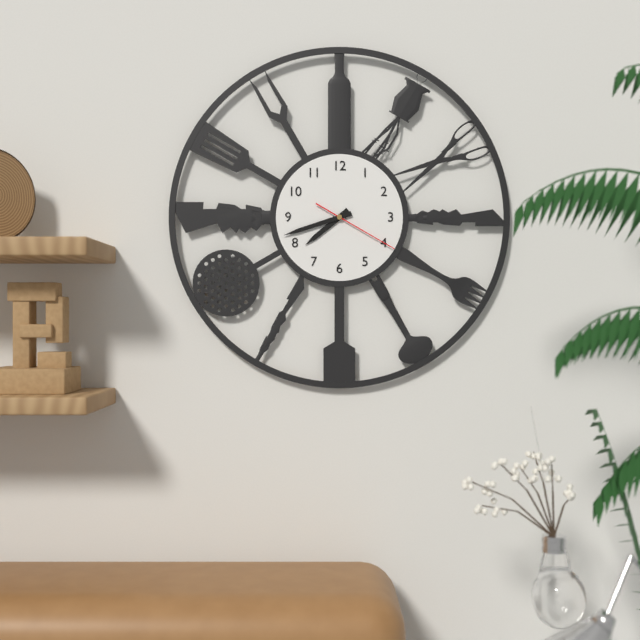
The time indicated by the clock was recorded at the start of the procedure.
7:42:20
